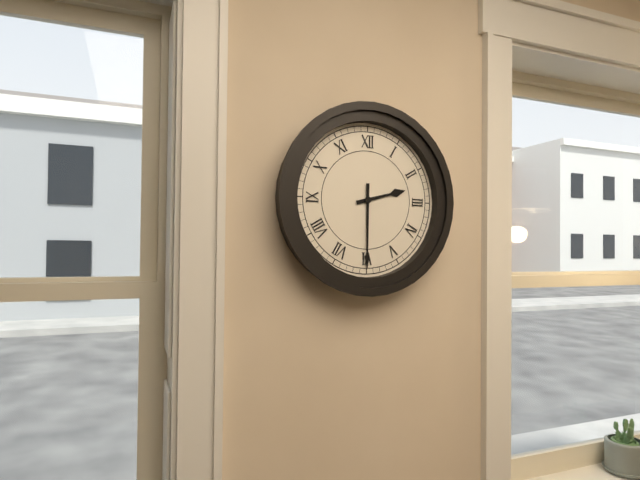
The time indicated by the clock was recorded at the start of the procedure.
2:30
